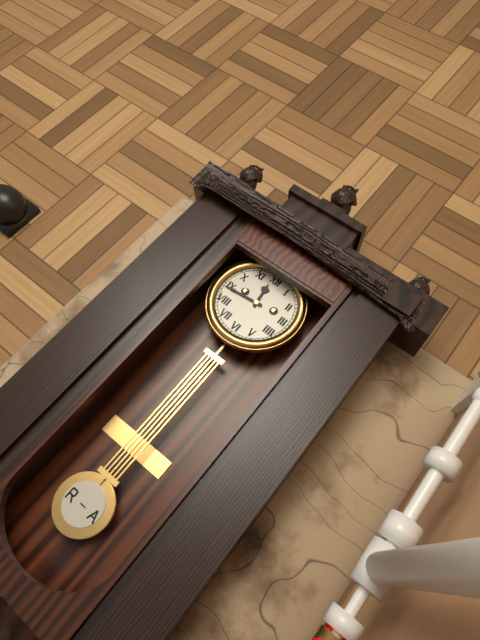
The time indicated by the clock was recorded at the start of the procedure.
11:44
